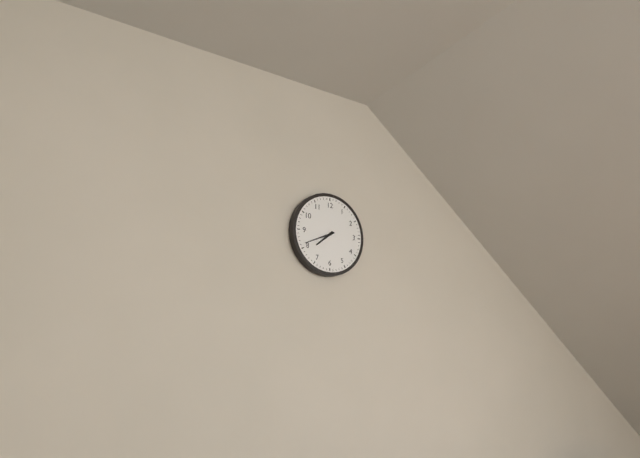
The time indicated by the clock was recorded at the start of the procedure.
7:41
